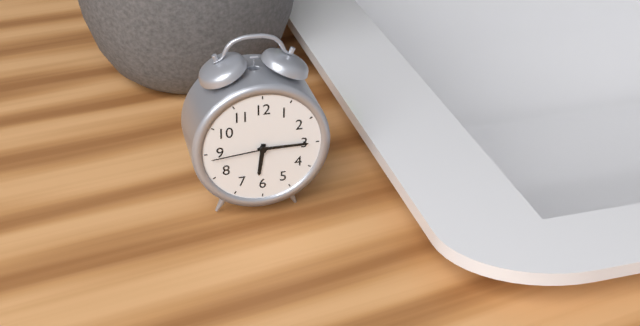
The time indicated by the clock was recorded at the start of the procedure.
6:15:44
